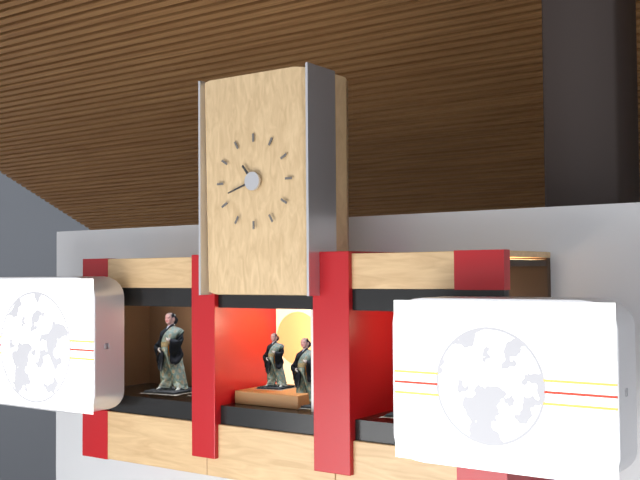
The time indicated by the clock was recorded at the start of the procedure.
10:42
